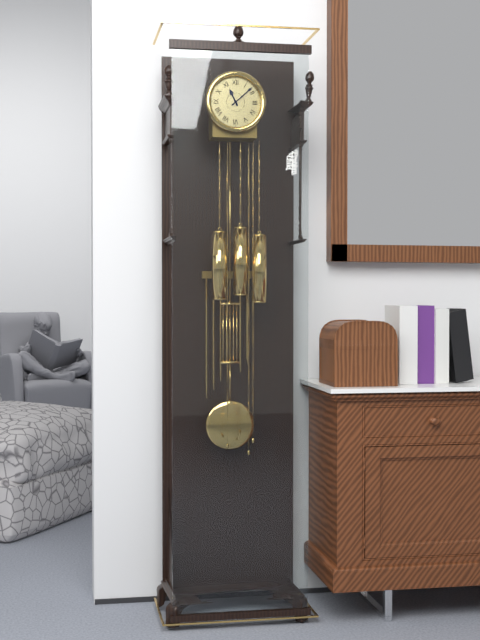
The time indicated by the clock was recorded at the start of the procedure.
11:08
